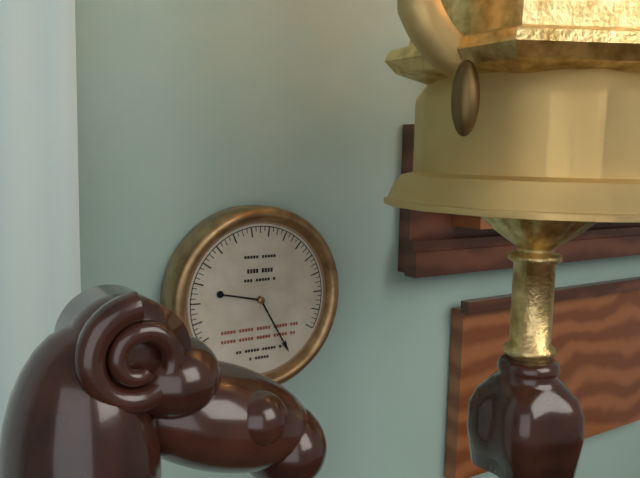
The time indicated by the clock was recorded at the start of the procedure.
9:25
